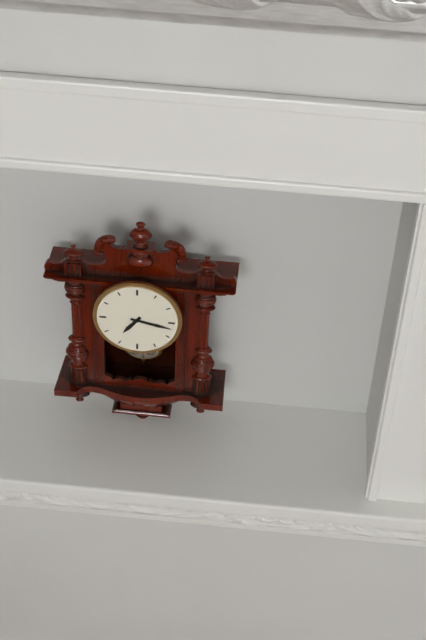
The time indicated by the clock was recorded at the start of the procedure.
7:17
